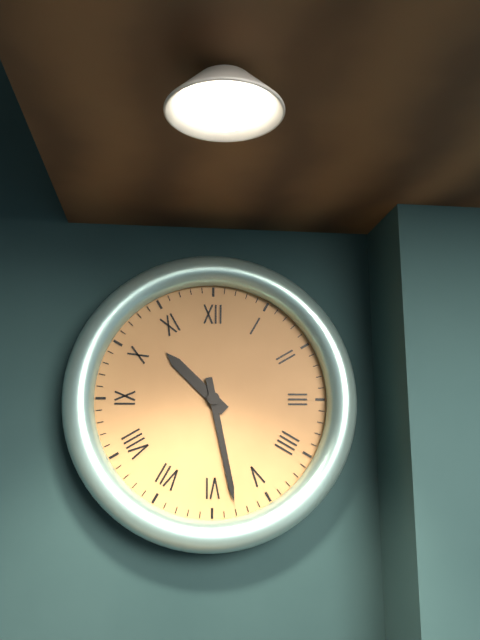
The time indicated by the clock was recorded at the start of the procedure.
10:28
